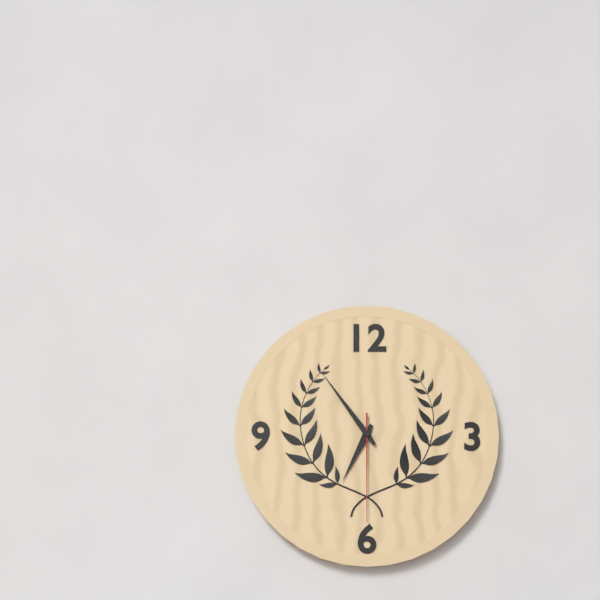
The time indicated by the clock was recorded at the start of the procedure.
6:54:30
